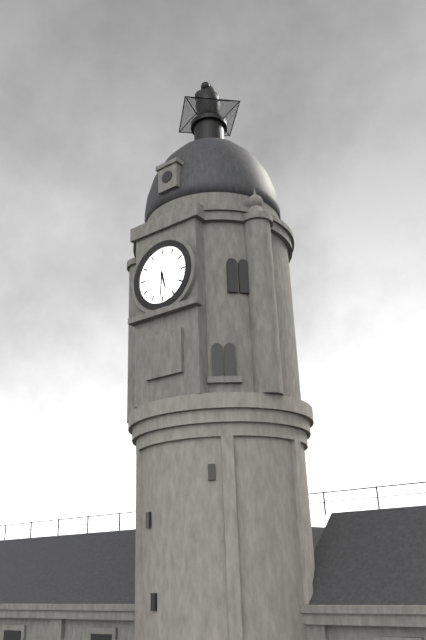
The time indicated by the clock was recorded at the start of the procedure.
5:31
